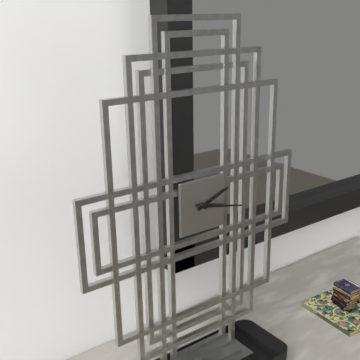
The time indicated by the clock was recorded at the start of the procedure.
2:17
